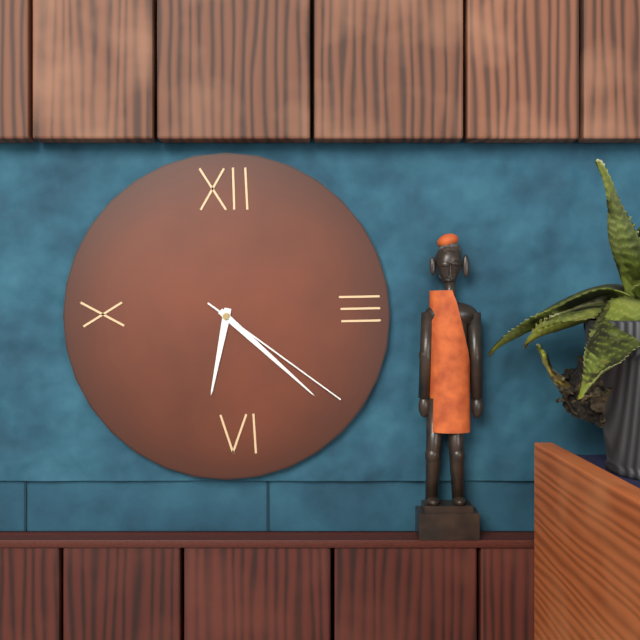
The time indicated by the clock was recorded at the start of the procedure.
6:22:21
